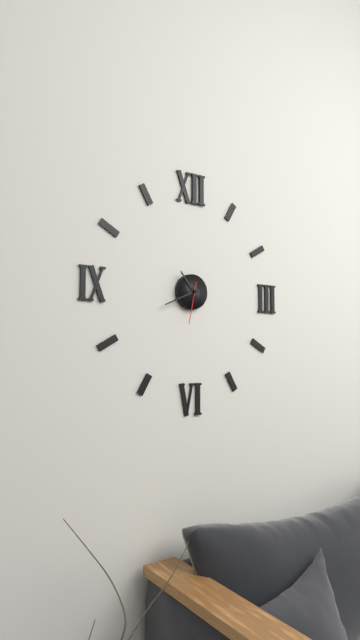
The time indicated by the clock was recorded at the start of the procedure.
10:41
